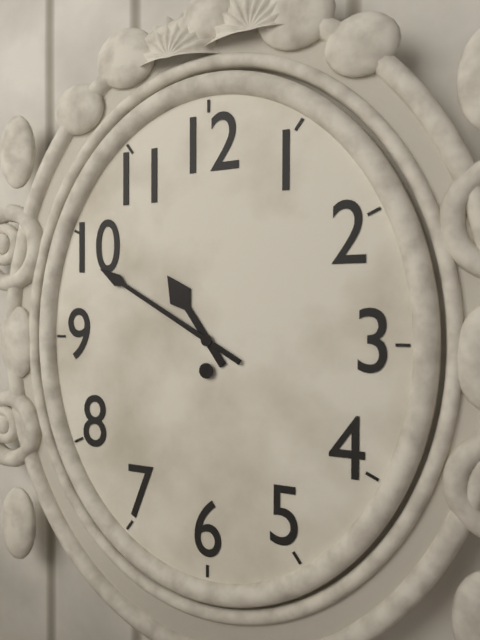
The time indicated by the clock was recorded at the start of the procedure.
10:50
